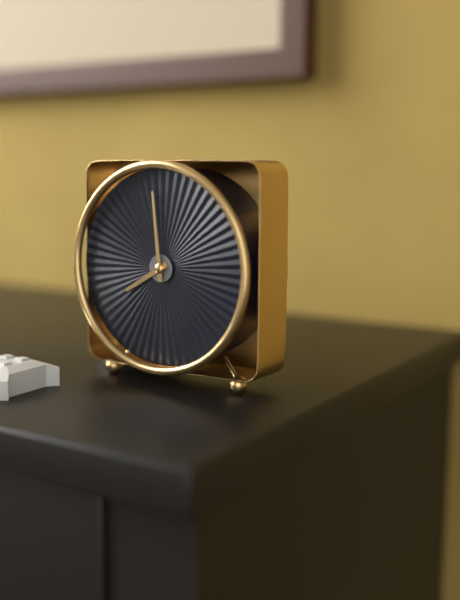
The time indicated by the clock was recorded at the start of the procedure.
7:59
